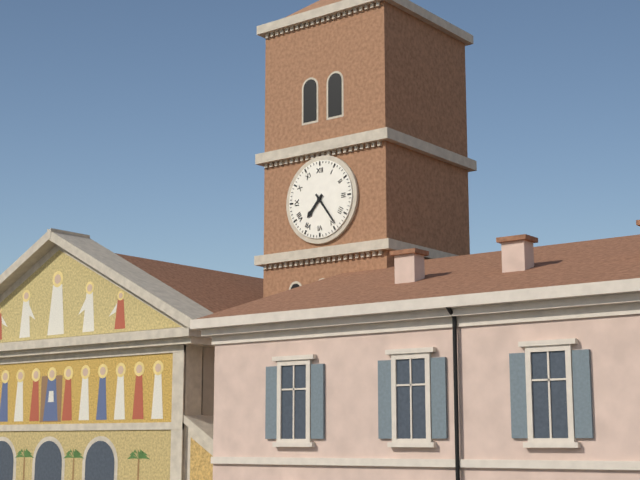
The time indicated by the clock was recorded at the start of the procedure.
7:24
